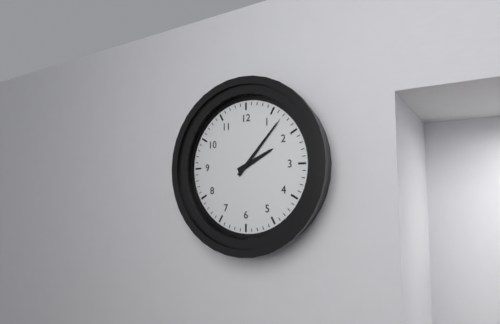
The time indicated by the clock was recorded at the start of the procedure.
2:07
